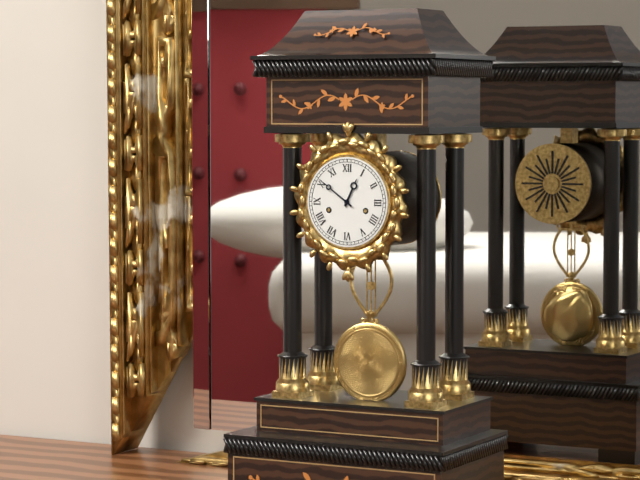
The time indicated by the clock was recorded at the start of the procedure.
12:51
